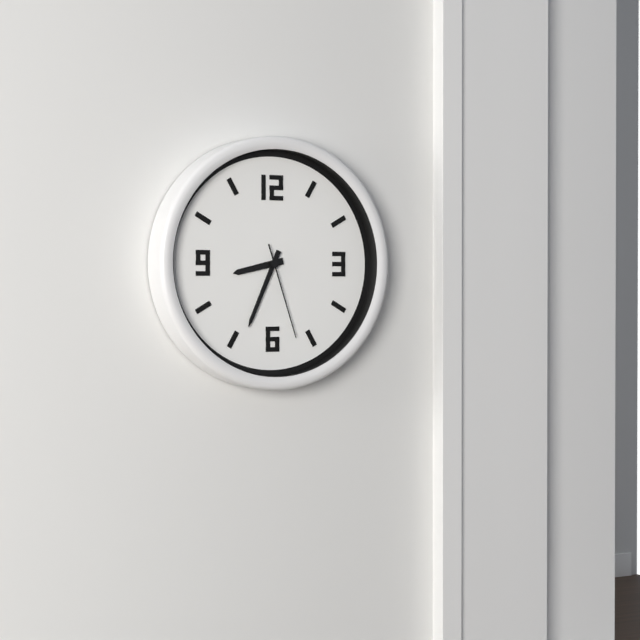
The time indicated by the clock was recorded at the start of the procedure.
8:34:27
